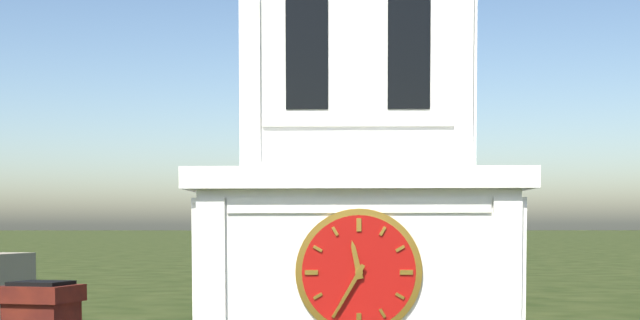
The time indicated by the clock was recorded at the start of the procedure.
11:35
